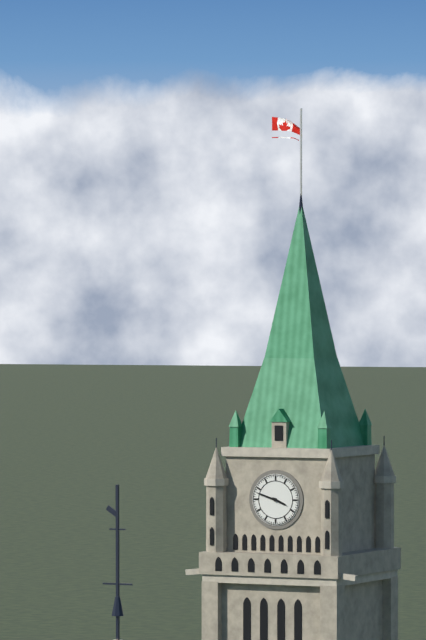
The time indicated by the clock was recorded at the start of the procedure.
3:48
